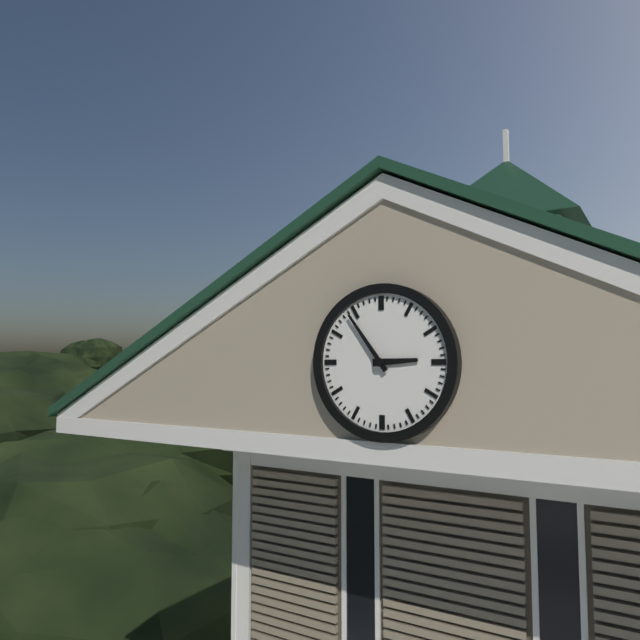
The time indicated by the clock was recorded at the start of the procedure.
2:54
